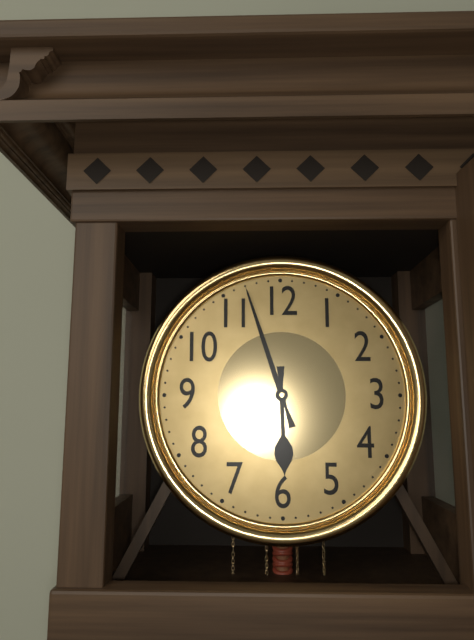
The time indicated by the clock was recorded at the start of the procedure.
5:57
